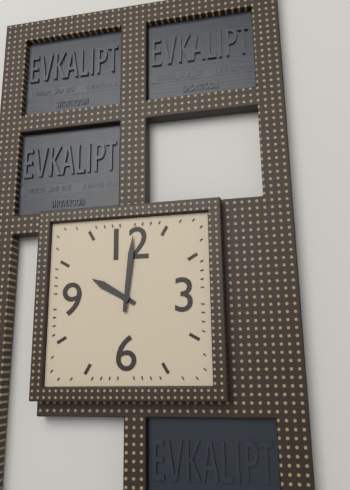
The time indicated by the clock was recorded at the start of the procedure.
10:01
